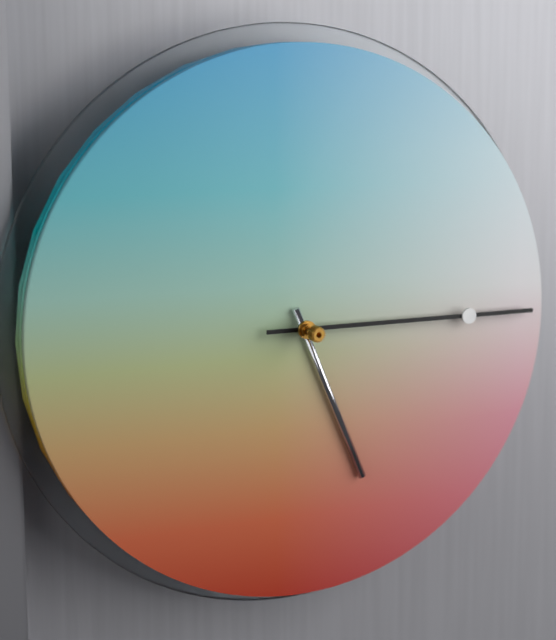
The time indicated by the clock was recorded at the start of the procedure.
5:15
